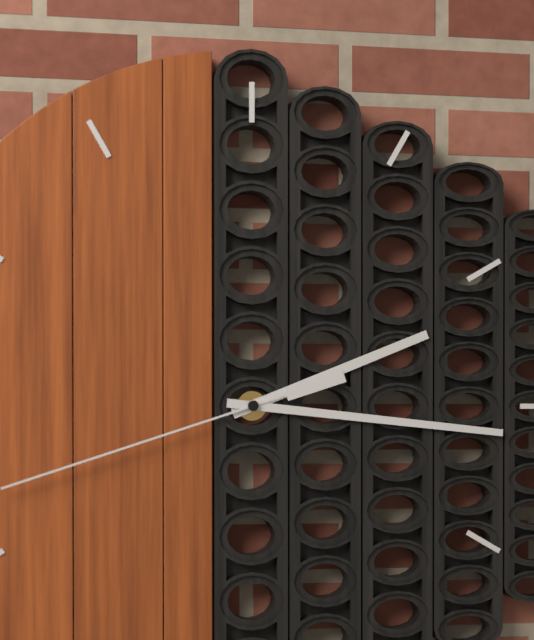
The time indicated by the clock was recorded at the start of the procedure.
2:16:42
